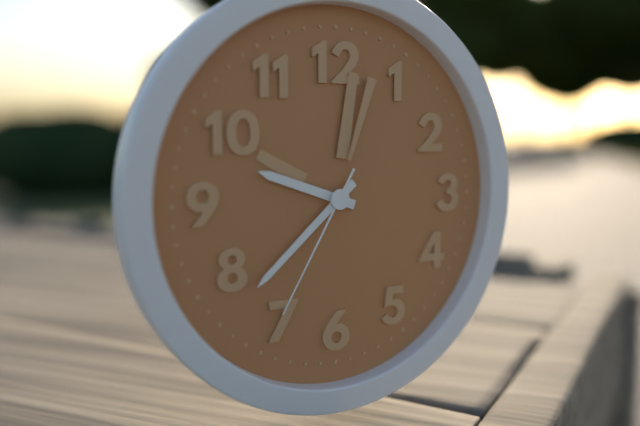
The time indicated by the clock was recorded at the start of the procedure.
9:38:35
